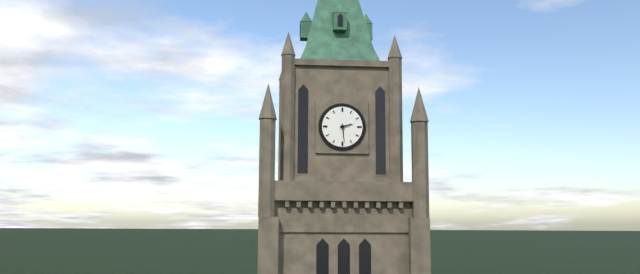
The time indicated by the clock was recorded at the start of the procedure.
2:29
